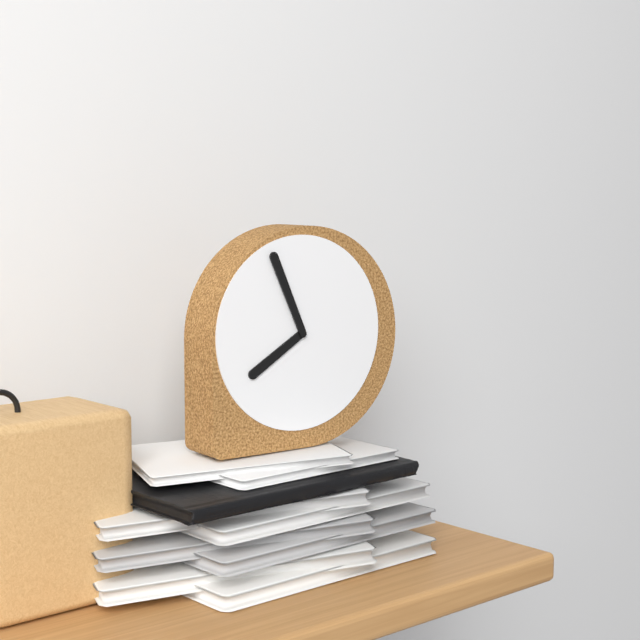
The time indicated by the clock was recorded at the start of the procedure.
7:56
